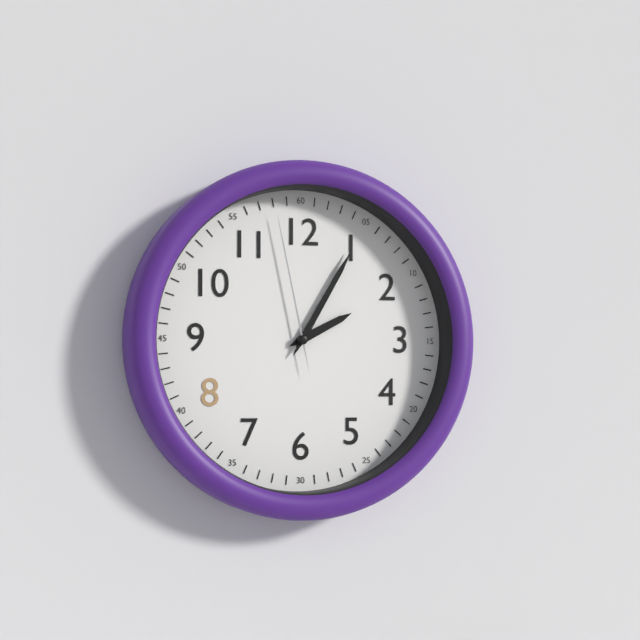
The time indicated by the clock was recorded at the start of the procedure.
2:05:58
